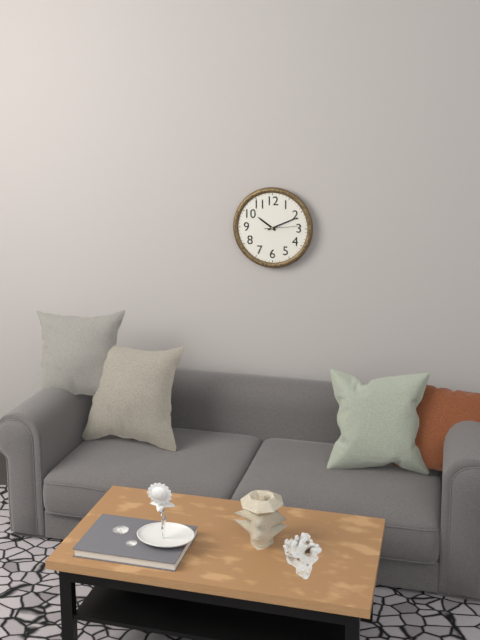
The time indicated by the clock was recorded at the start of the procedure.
10:11
